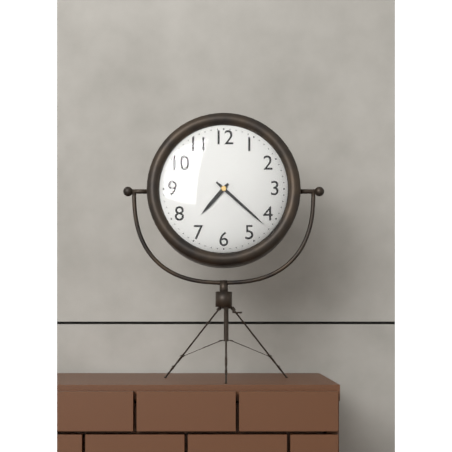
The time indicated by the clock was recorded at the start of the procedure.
7:22
